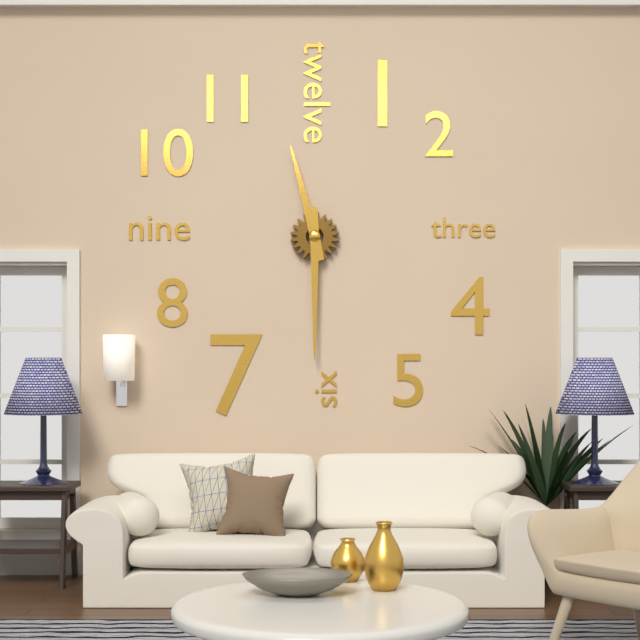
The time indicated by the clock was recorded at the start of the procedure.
11:30
